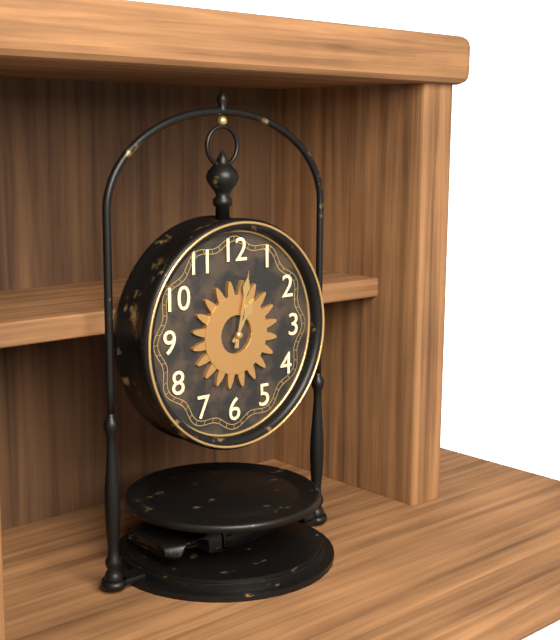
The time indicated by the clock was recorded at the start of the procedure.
1:02
